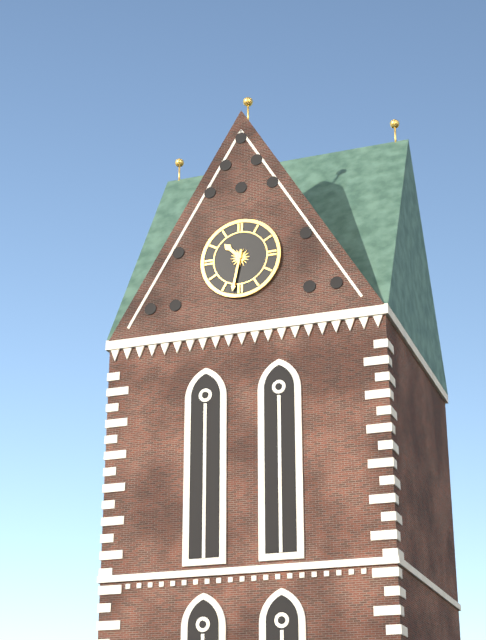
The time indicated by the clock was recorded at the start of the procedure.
10:32
